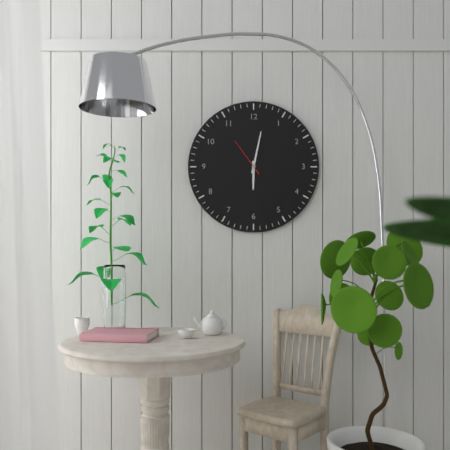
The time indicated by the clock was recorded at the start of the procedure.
6:02
